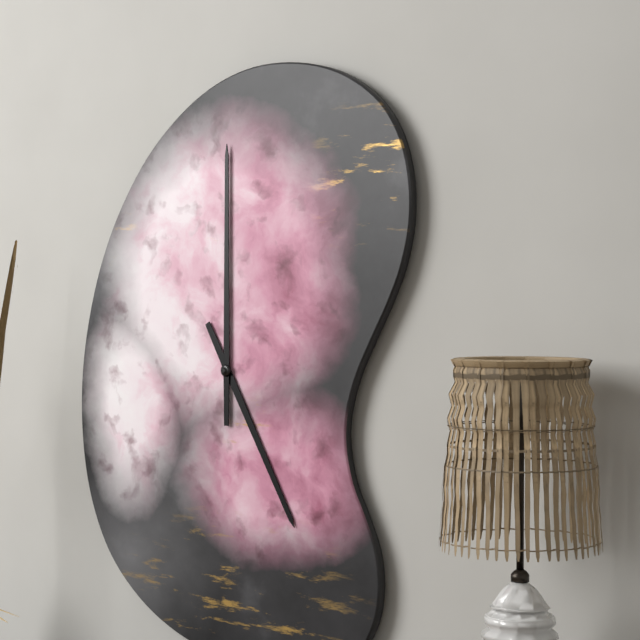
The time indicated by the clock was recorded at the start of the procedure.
5:00
